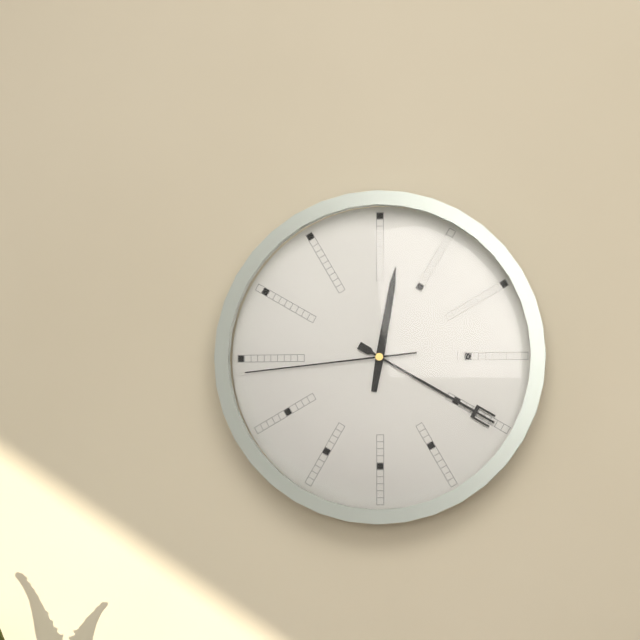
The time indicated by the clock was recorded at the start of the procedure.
12:20:44
